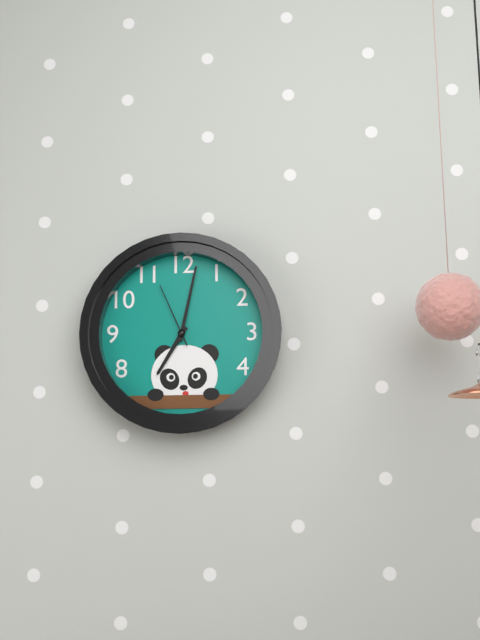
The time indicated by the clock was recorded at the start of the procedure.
7:02:56
